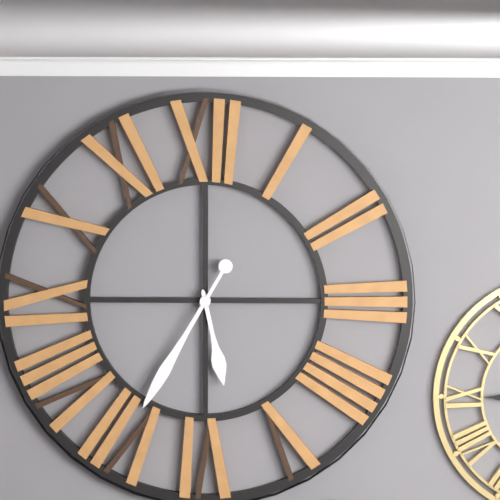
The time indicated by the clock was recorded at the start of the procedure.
5:35
